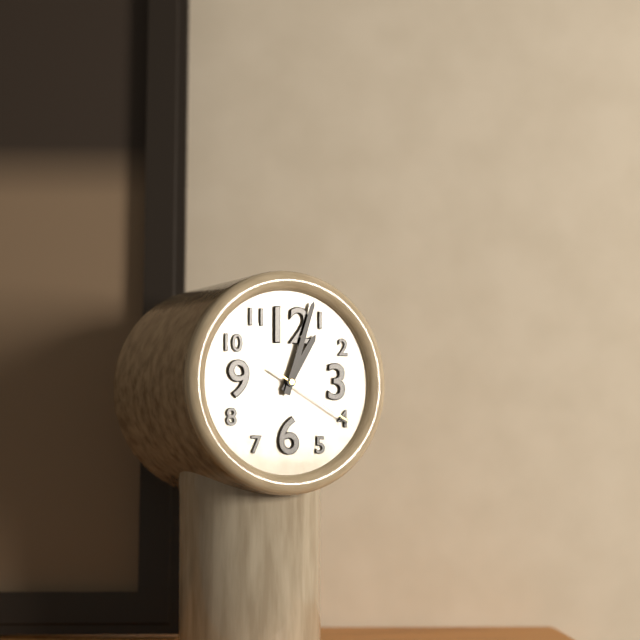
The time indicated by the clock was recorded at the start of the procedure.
1:03:20
